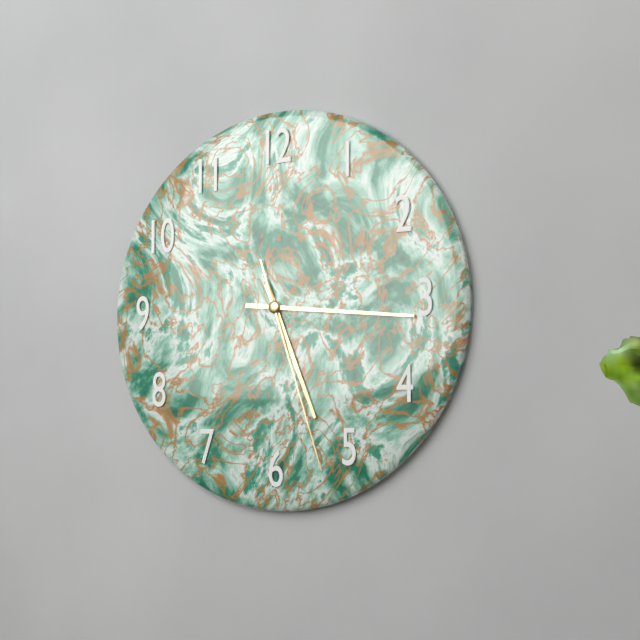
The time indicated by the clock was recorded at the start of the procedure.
5:16:27
